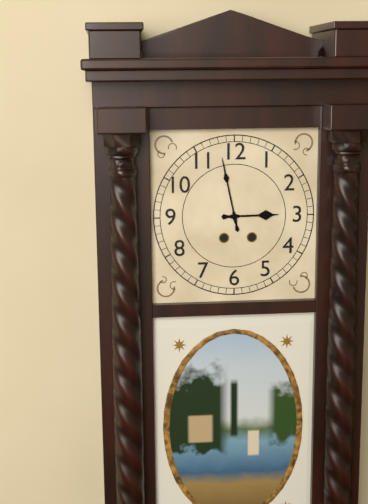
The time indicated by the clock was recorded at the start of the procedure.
2:58
